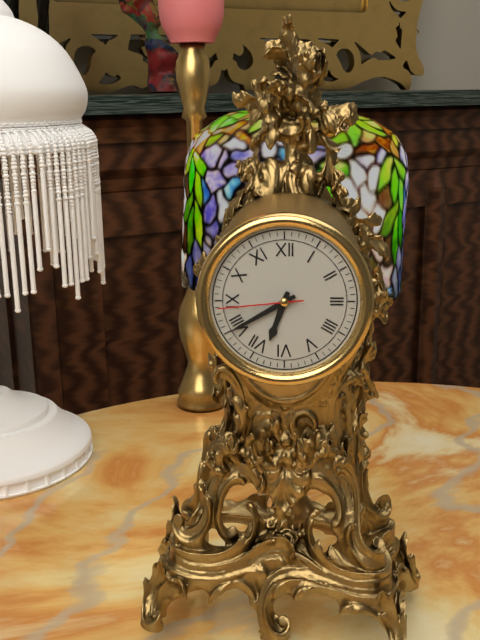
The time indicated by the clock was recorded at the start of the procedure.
6:40:44
